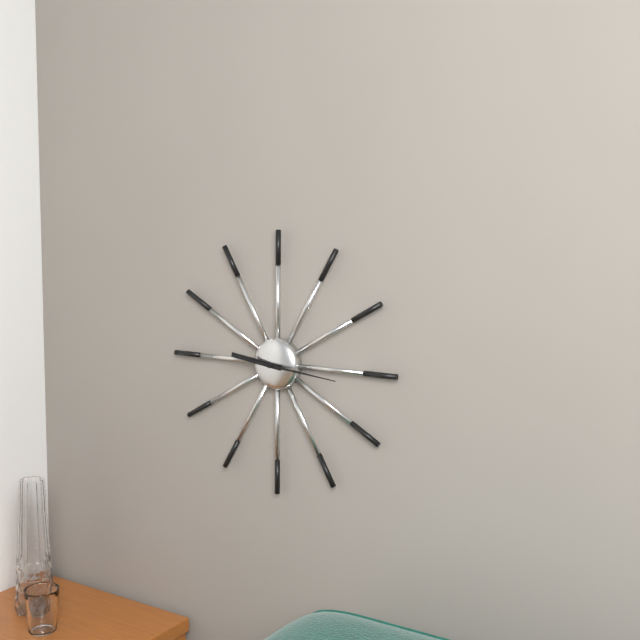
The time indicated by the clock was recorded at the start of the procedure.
9:16
